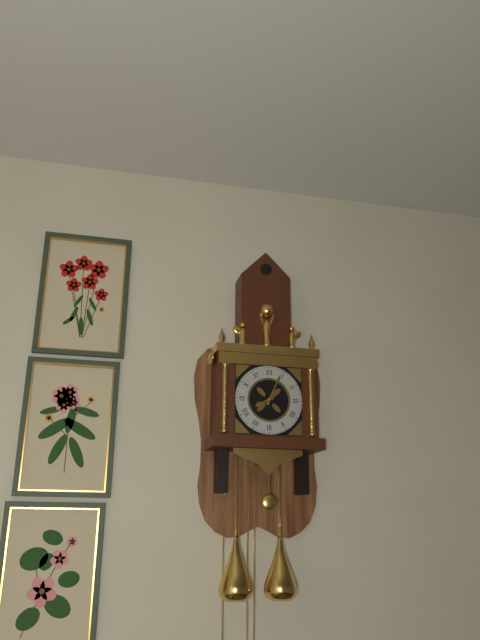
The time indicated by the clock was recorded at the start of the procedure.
8:04
